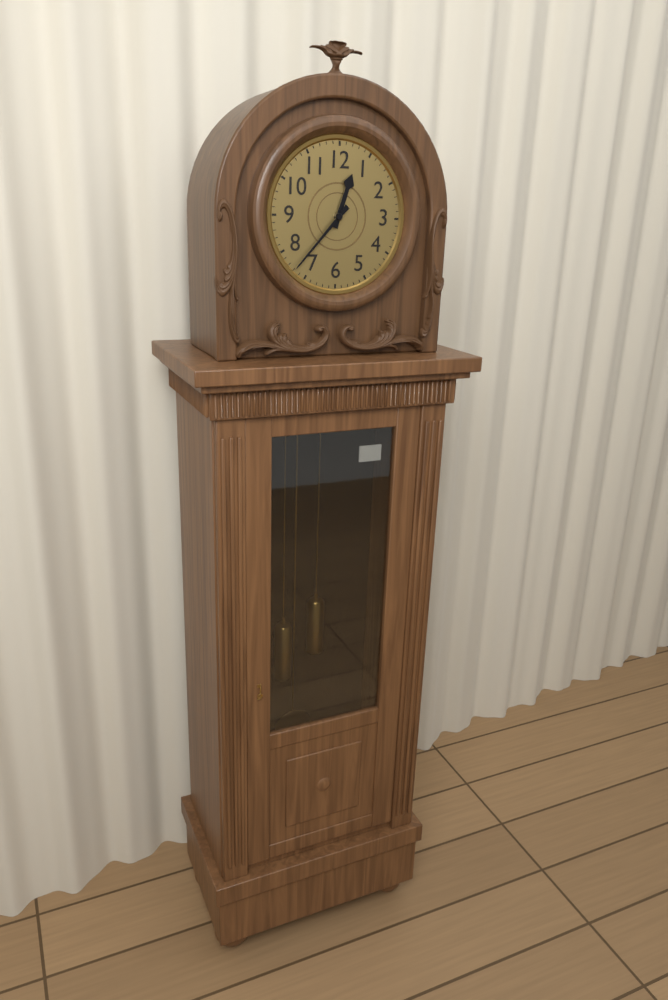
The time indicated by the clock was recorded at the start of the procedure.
12:37
